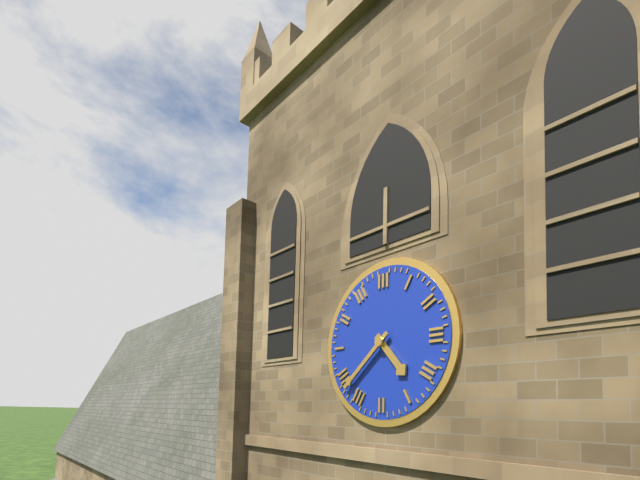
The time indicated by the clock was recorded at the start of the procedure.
4:38
